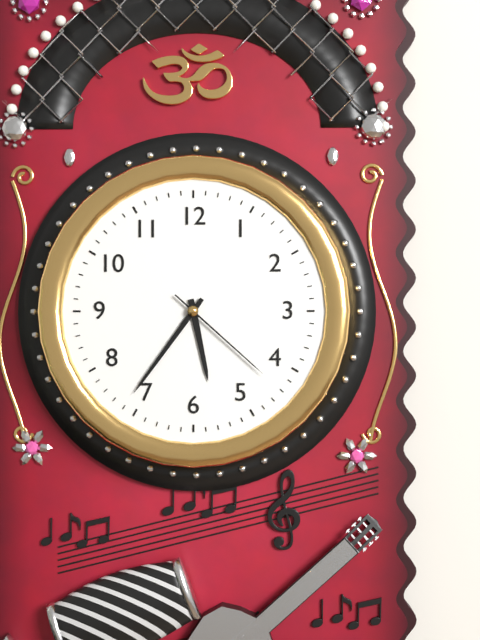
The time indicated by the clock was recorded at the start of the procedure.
5:36:22
